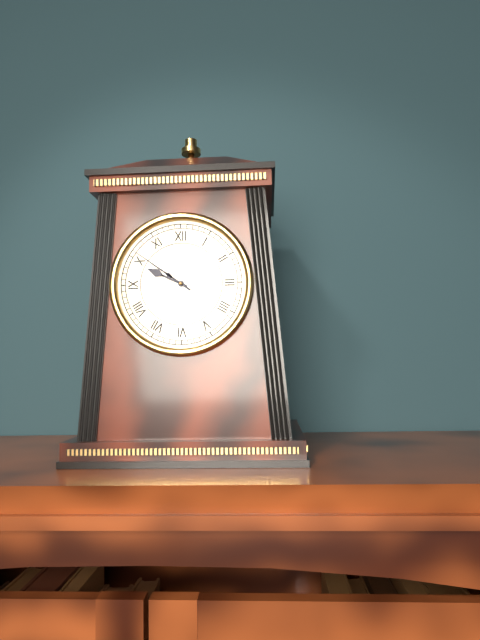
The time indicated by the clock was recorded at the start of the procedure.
9:51
